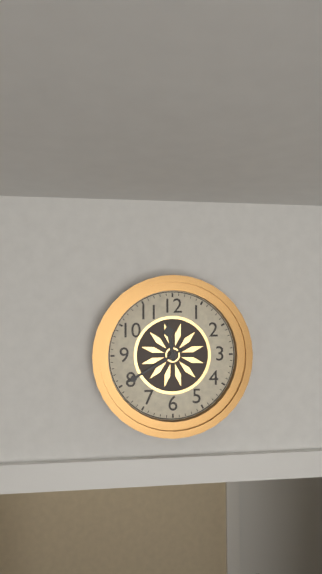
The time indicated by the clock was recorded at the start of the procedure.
11:40
